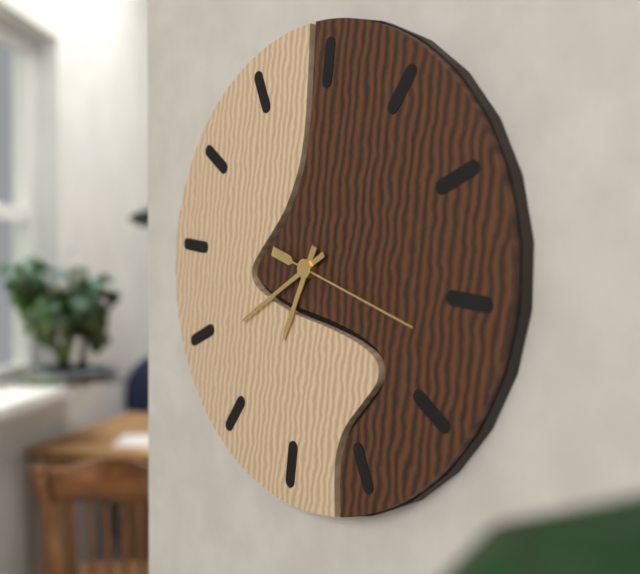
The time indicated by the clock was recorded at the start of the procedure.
6:39:17
